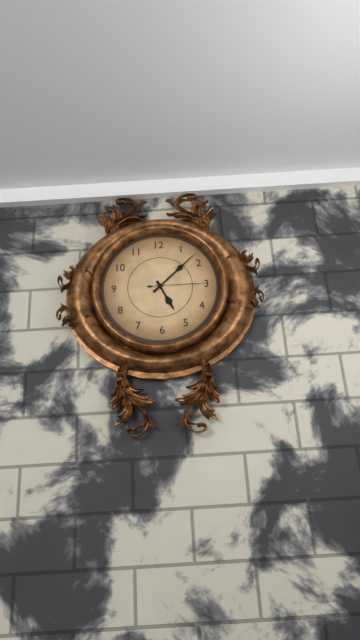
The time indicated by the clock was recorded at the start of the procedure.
5:08:15
